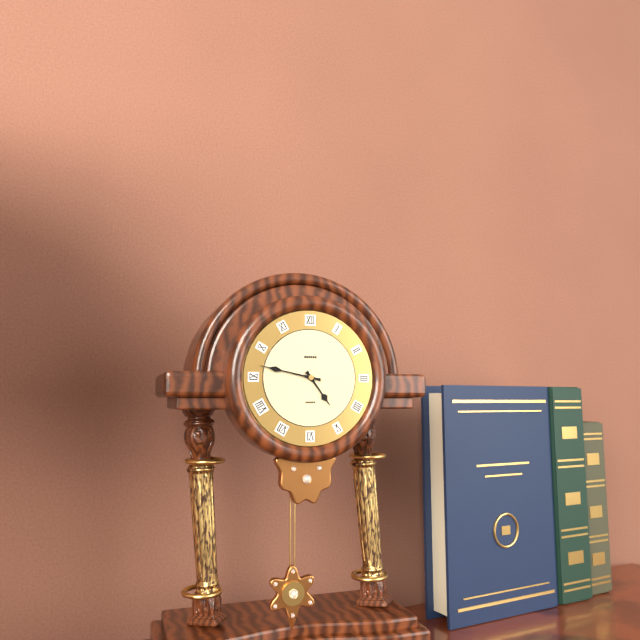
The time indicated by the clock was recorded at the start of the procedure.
4:47
